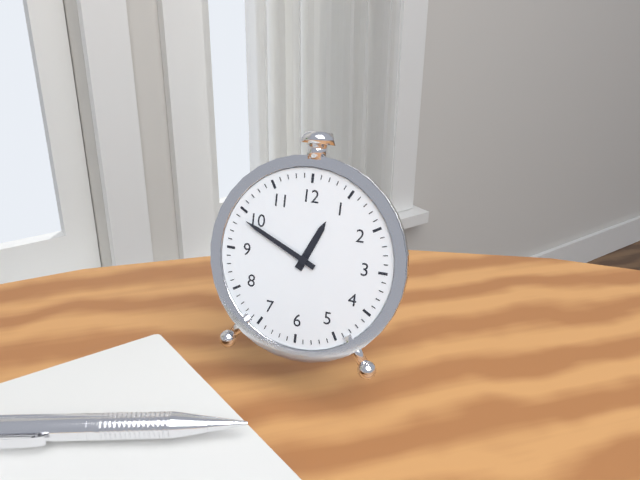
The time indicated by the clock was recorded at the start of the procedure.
12:49
